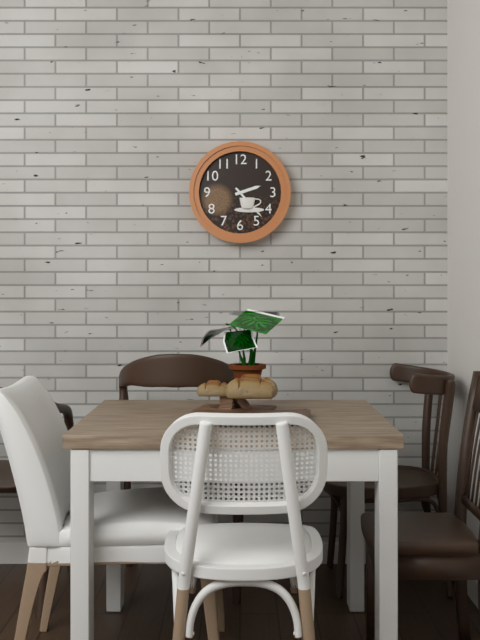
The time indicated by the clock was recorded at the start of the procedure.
2:23
